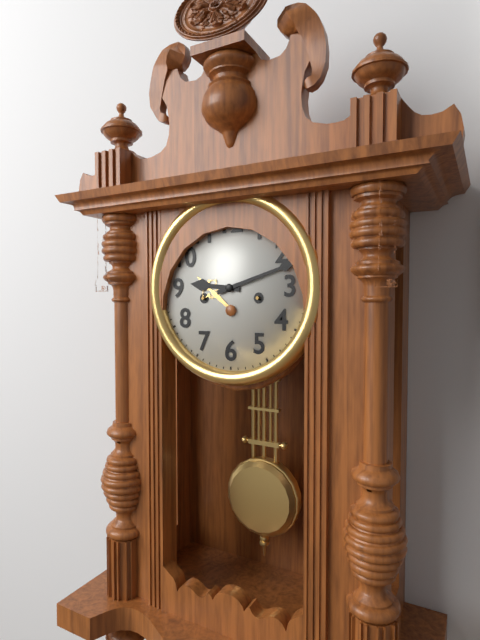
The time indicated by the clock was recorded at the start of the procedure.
9:12
